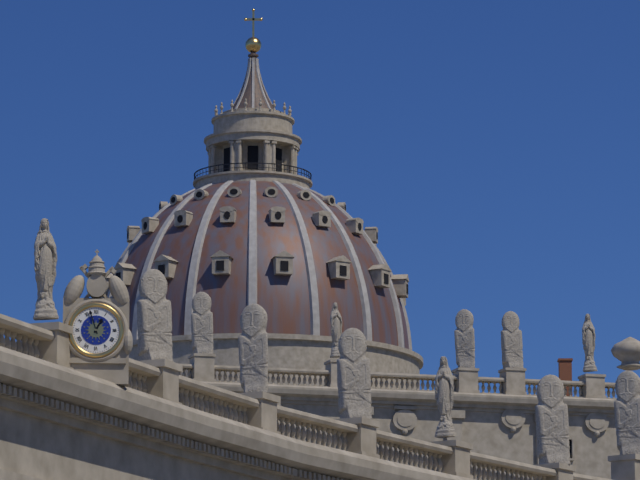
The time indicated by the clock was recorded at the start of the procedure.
12:57
